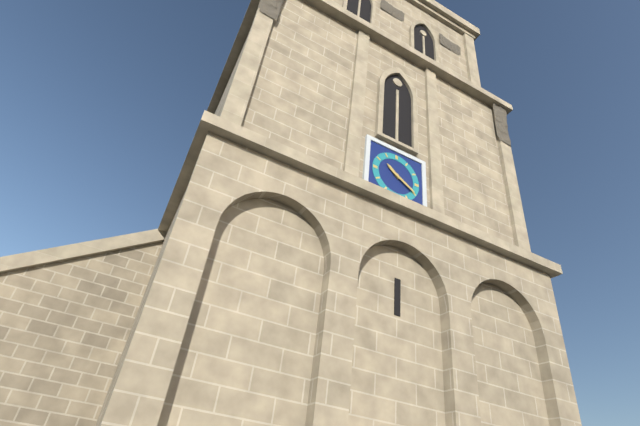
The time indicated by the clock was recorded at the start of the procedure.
10:20
